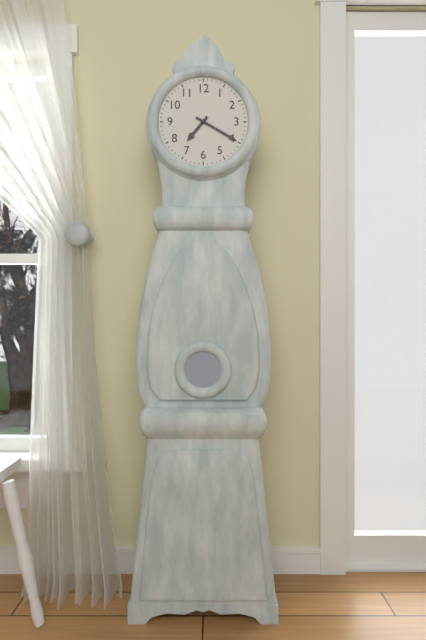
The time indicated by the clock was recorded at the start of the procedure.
7:20
